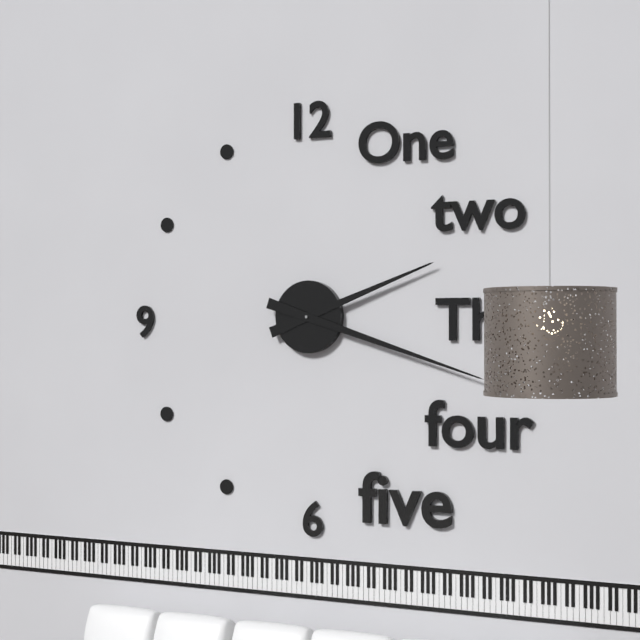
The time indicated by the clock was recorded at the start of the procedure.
2:18
